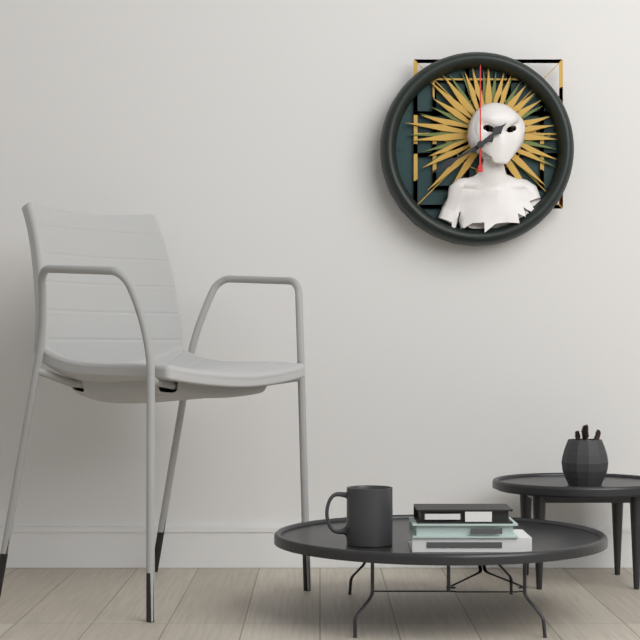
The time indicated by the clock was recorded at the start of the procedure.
1:40:00
